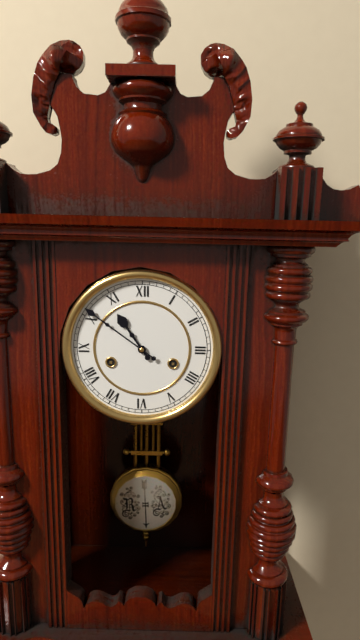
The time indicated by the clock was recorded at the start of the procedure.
10:51
